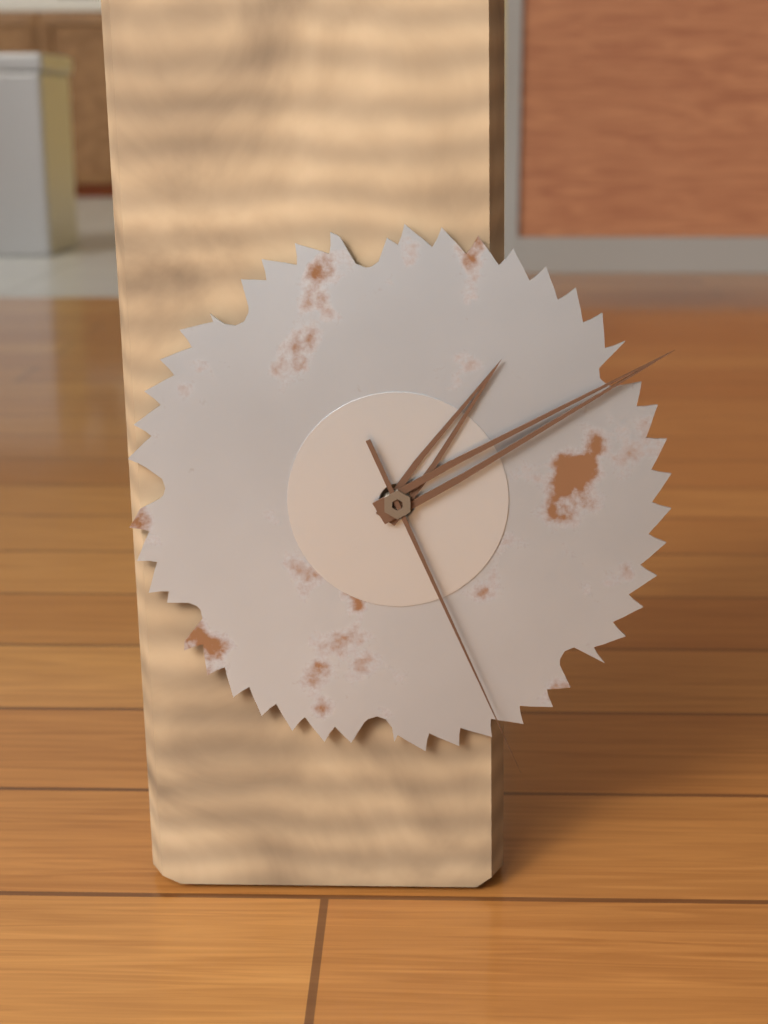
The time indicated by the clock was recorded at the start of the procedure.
1:10:26
